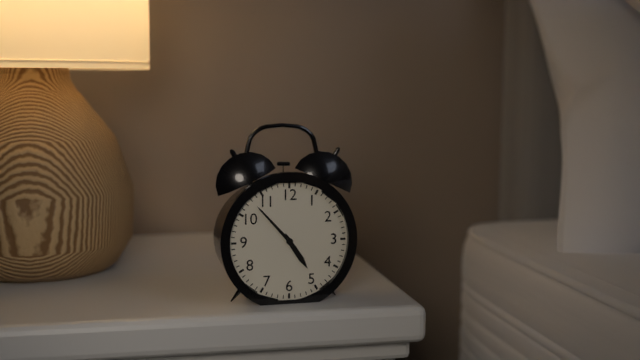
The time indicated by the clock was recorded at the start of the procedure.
4:53
